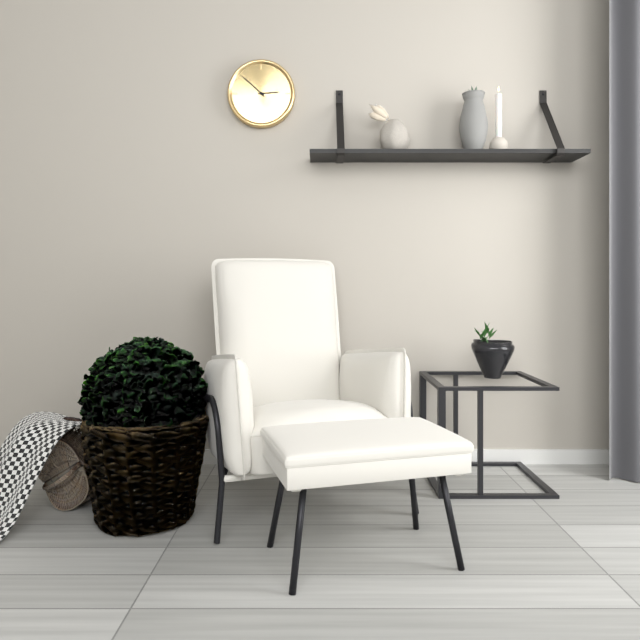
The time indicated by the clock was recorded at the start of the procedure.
2:52
